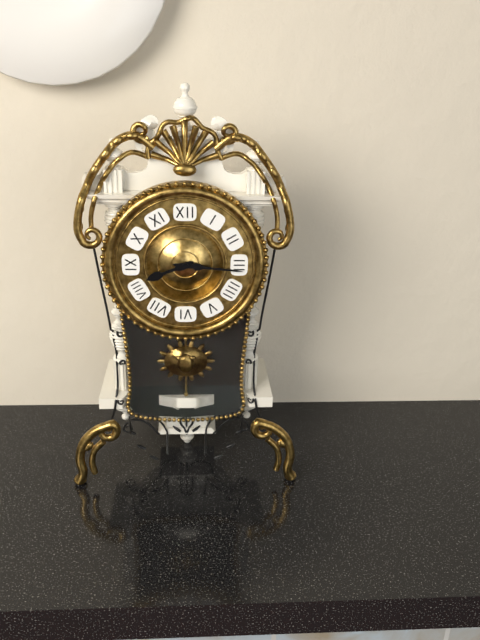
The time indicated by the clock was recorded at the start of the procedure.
8:16
